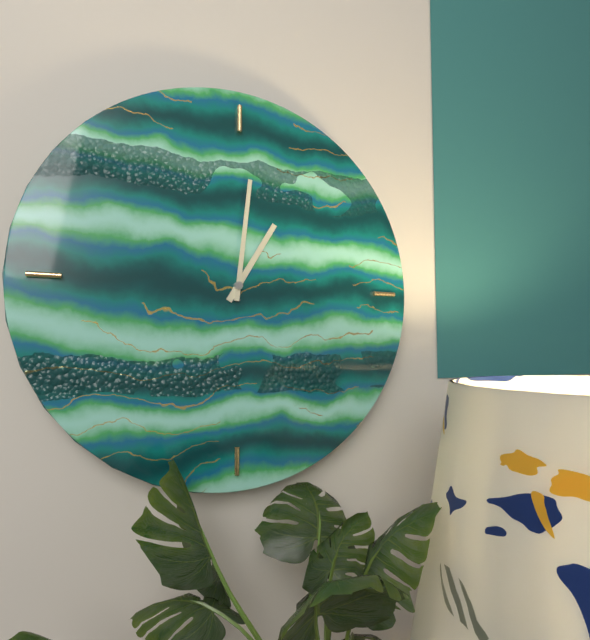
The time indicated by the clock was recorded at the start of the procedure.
1:01
